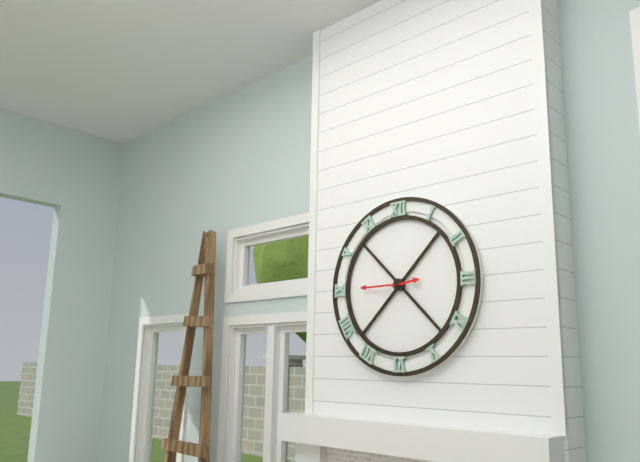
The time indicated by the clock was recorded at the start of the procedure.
2:45
